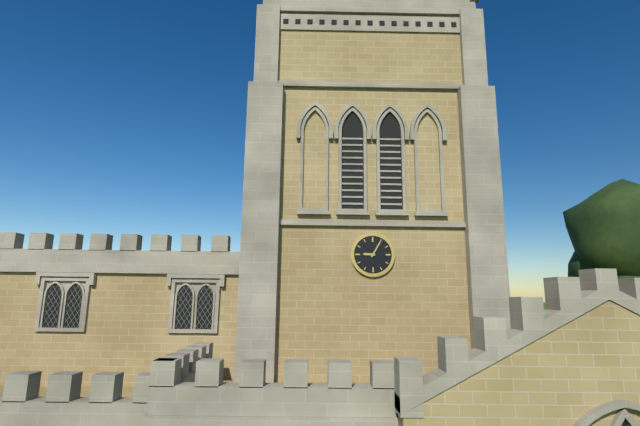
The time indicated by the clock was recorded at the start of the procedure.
9:05
